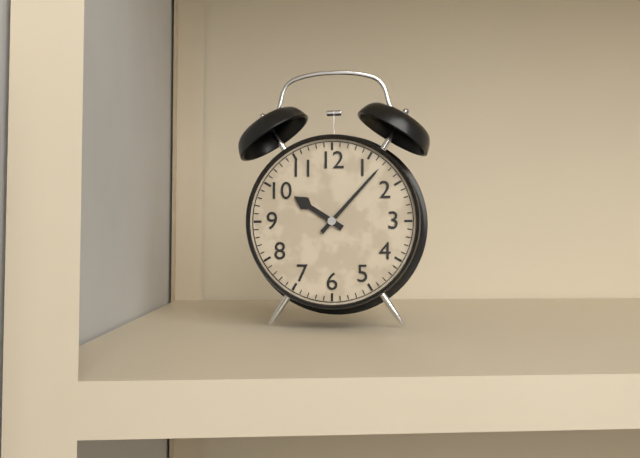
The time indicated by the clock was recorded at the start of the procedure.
10:07
